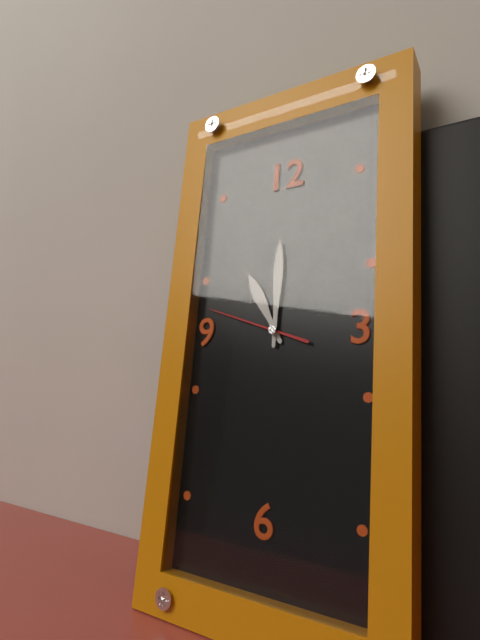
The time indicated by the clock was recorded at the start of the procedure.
11:00:48
